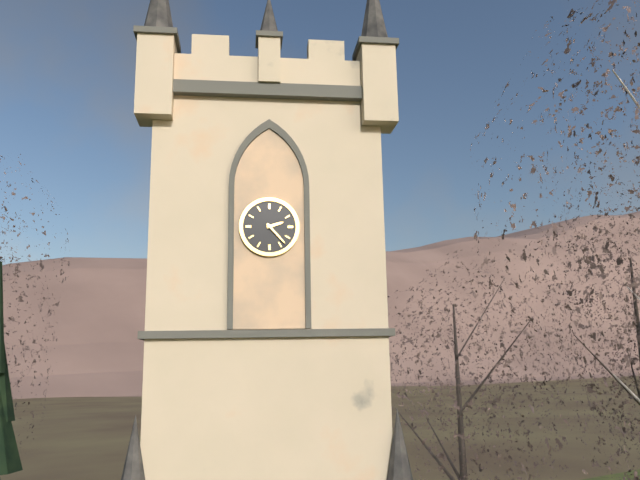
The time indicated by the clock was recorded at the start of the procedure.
2:23
